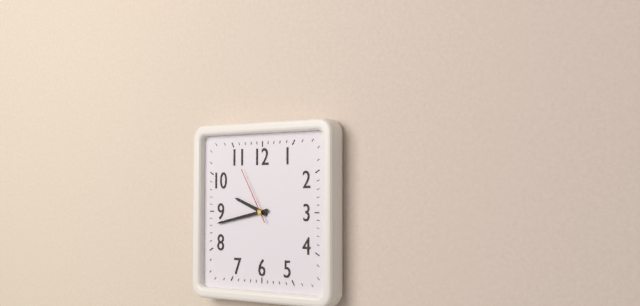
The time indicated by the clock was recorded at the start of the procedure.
9:43:55
